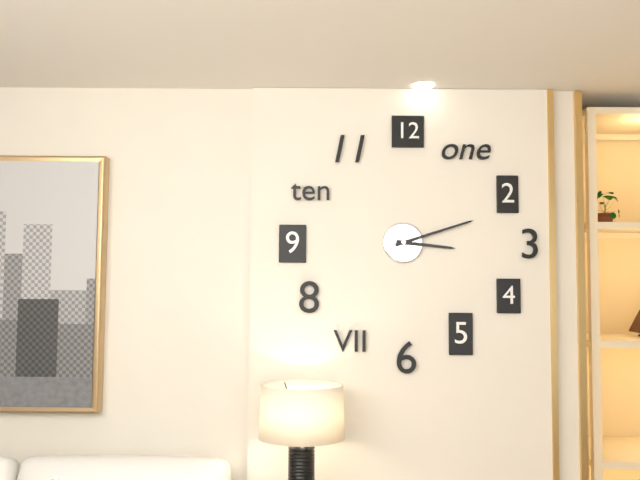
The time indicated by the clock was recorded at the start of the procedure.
3:12
